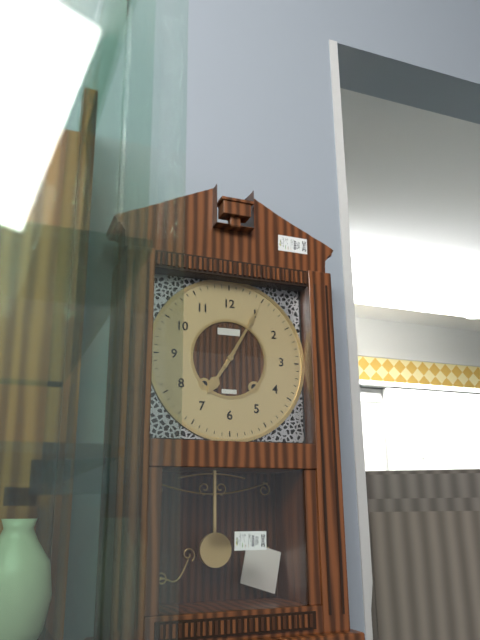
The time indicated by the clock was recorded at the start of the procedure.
7:05
